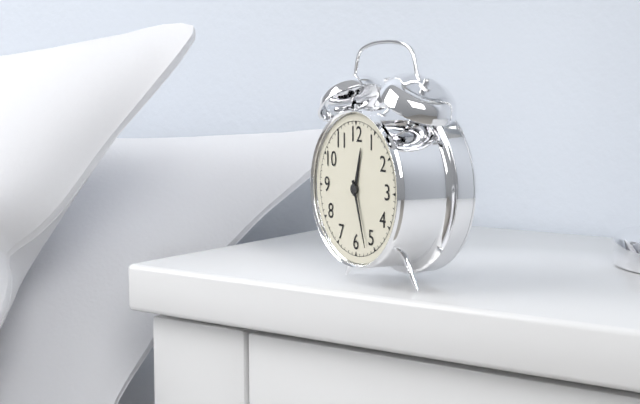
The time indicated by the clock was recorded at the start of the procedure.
12:27
